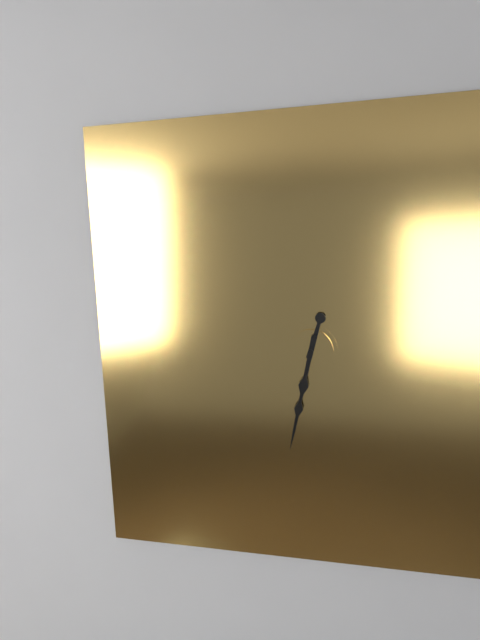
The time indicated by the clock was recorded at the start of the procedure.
12:32
